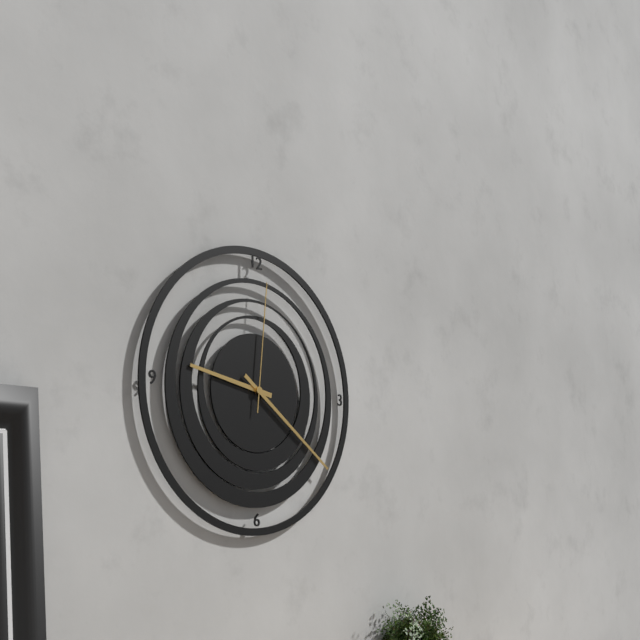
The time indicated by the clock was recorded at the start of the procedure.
9:21:01
